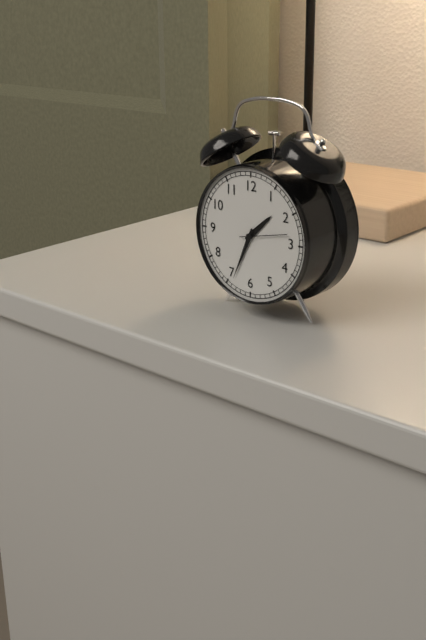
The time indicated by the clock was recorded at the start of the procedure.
1:34
